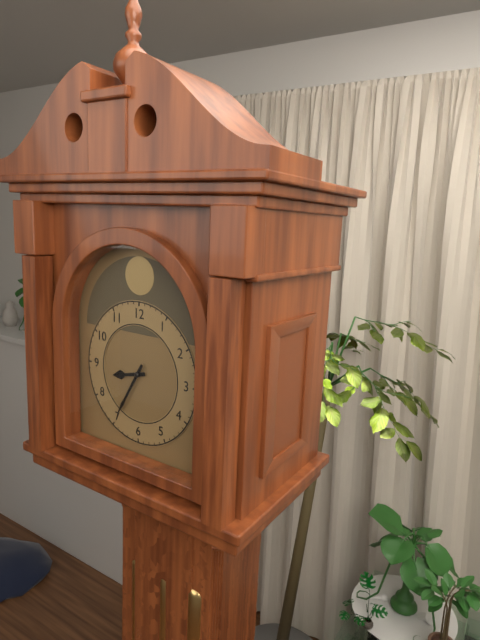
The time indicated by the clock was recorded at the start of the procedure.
8:35
